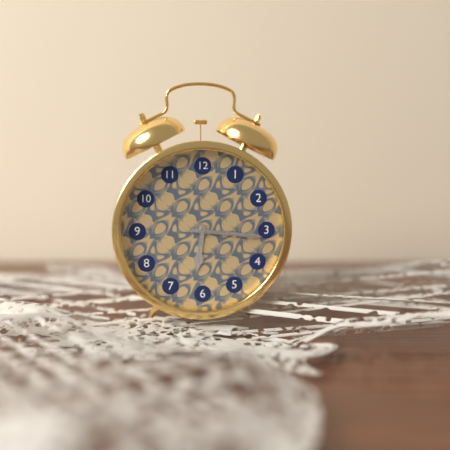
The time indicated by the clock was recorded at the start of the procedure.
6:16
